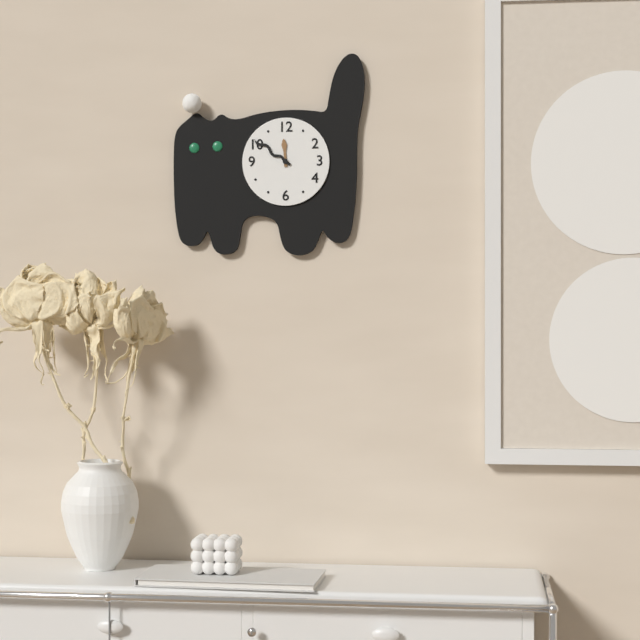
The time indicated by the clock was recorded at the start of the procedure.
11:51
